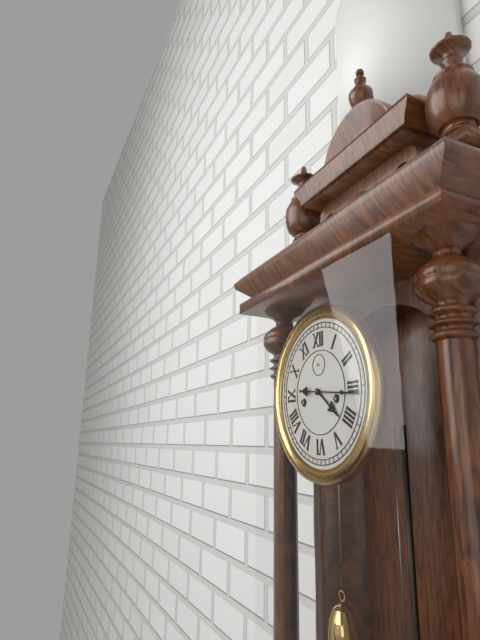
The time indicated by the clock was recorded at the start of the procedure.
4:16
